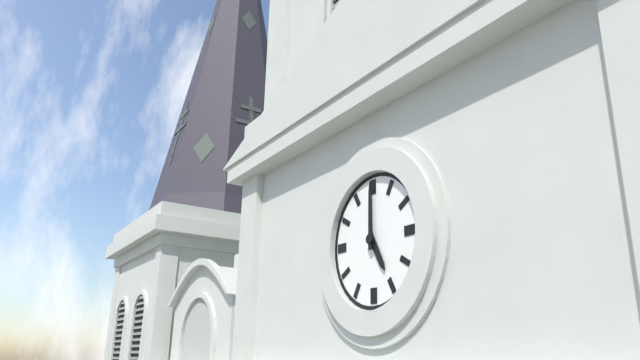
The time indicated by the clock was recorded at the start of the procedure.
5:00
